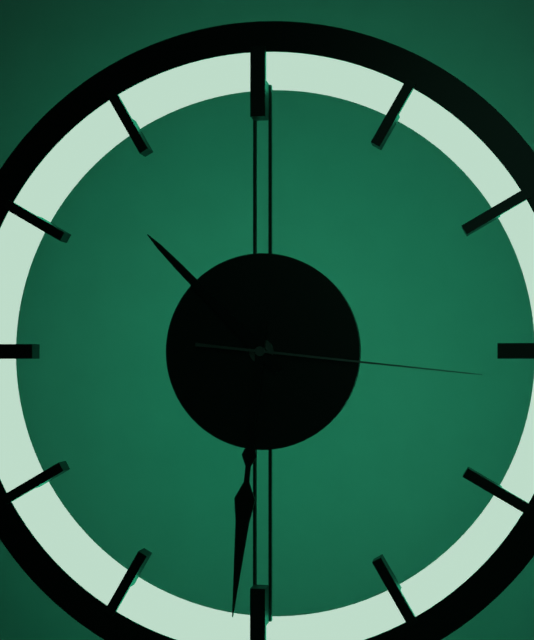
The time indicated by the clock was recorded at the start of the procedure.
10:31:16
